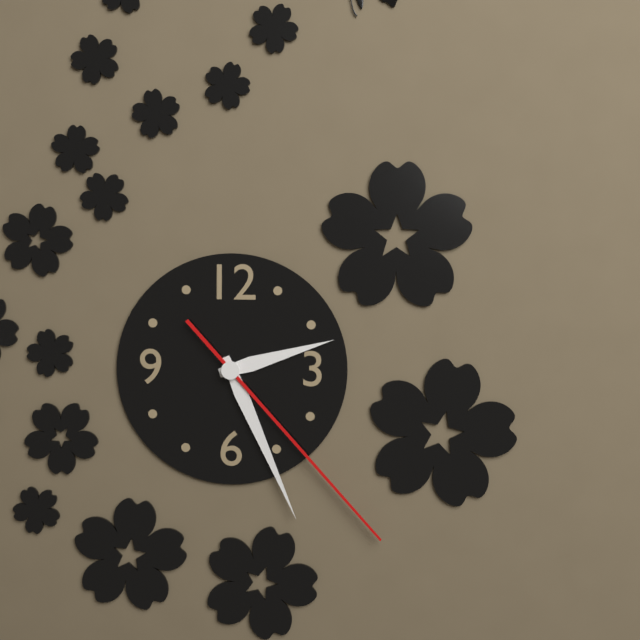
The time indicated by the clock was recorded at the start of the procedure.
2:26:23
